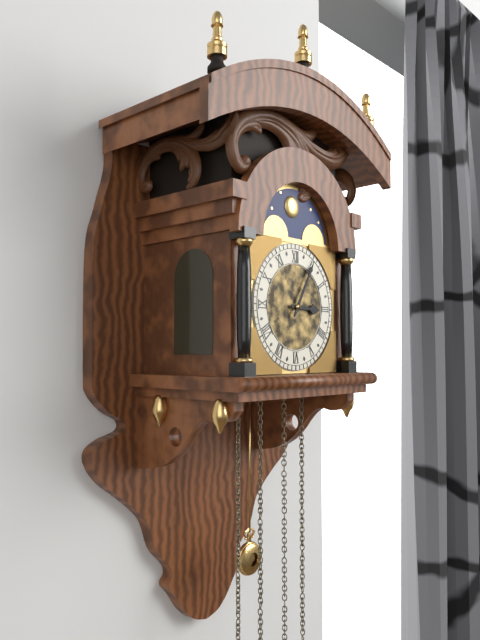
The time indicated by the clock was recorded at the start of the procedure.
3:05
